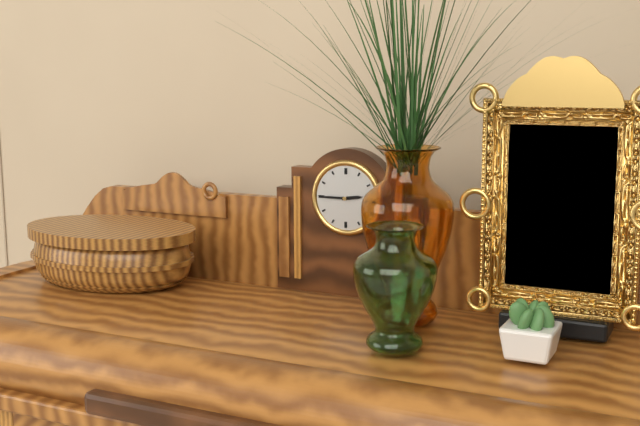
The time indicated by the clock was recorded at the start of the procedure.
2:45
